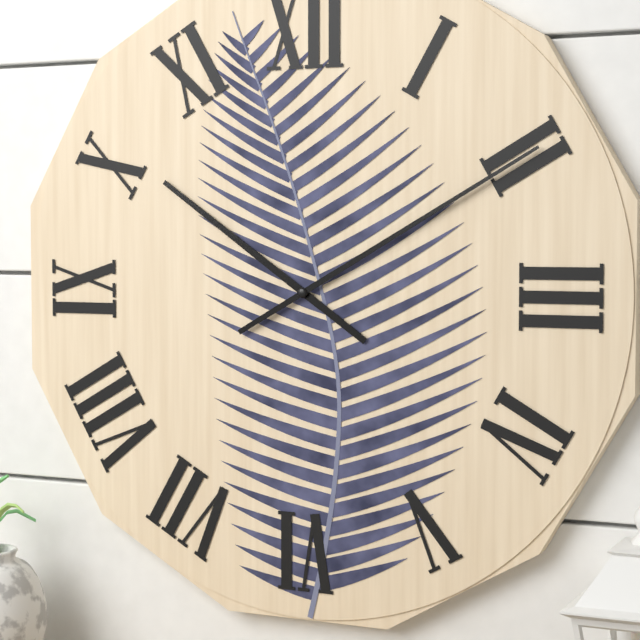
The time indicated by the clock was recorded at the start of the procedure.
10:10
